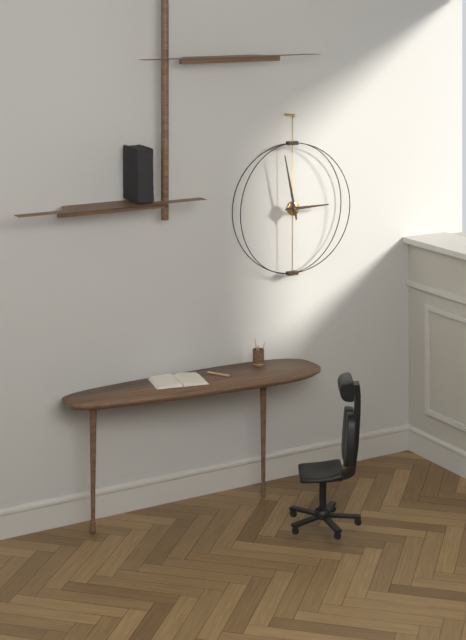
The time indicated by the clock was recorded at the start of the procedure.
2:58
